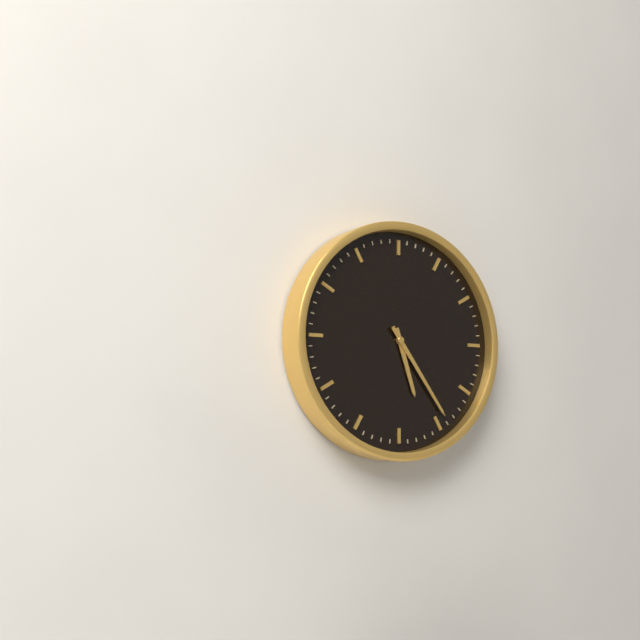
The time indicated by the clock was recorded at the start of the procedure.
5:24
